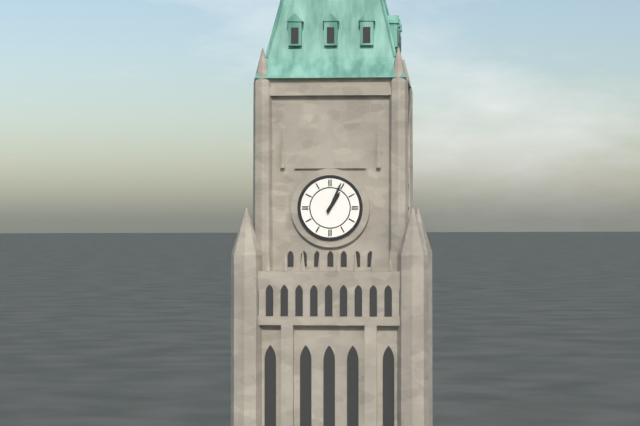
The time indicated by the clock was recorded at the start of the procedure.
1:04
